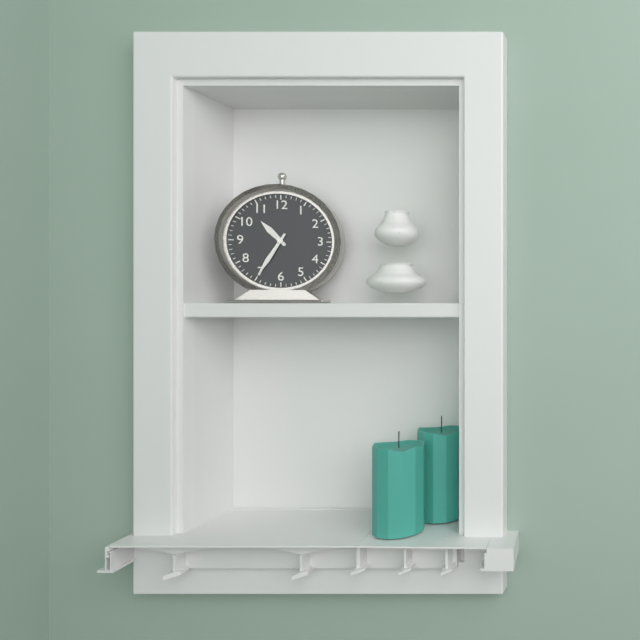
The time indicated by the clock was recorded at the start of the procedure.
10:35
